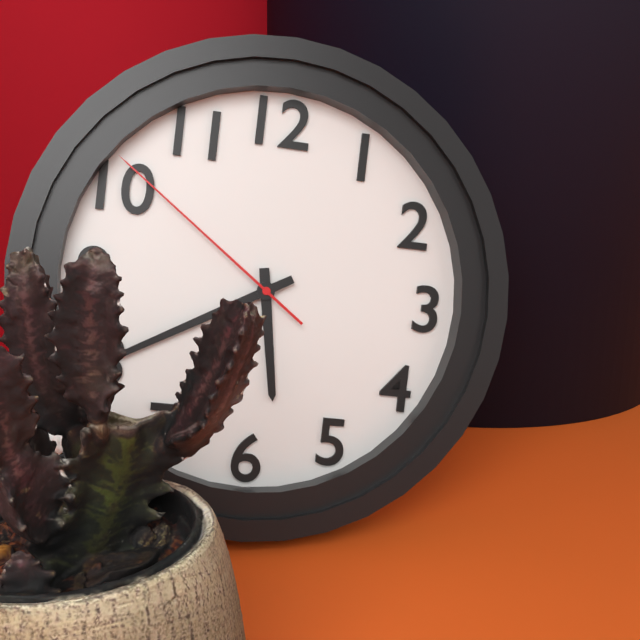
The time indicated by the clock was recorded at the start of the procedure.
5:40:51
